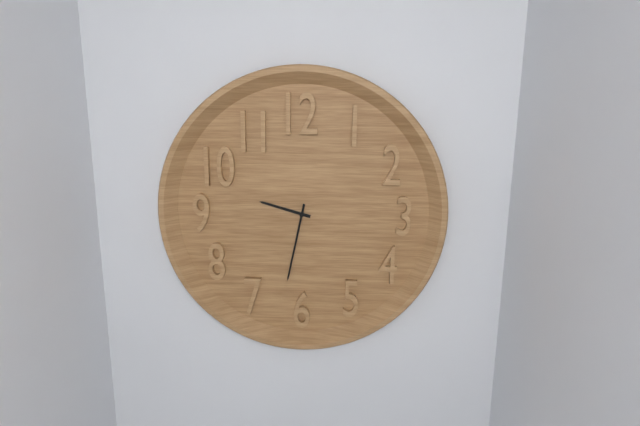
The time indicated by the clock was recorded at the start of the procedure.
9:32
